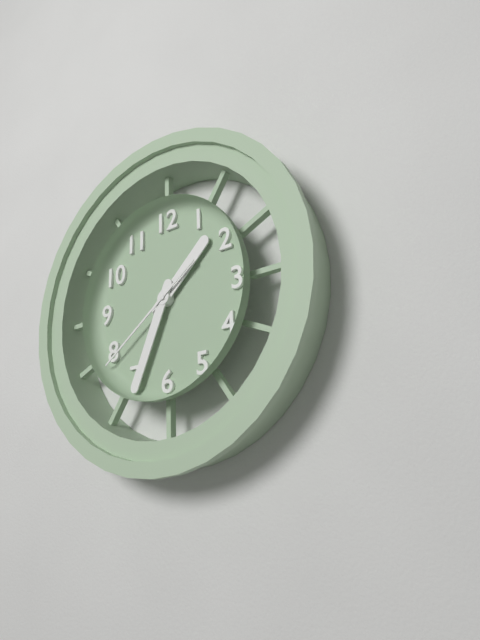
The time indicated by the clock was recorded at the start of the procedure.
1:34:39
